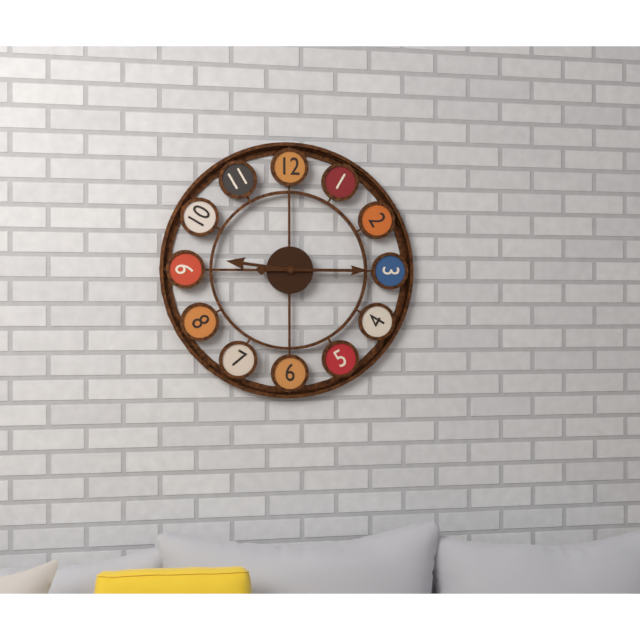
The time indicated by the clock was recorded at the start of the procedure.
9:15
